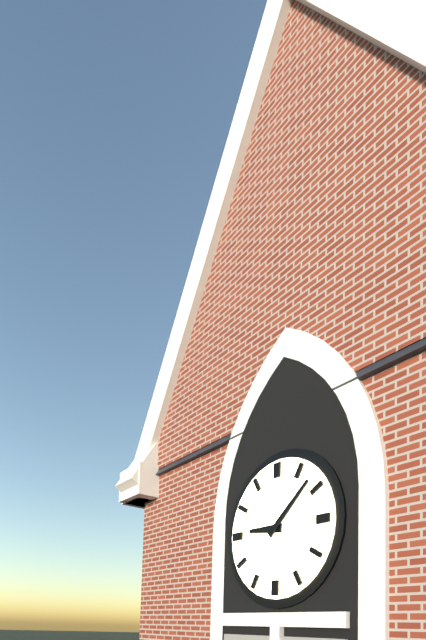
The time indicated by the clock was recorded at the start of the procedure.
9:08
